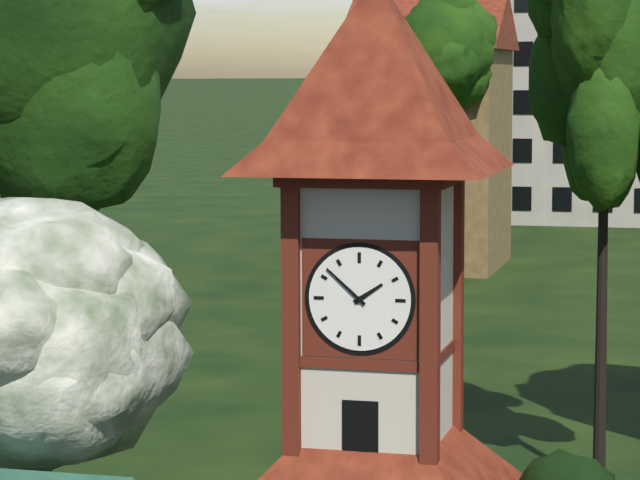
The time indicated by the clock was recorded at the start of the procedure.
1:52
